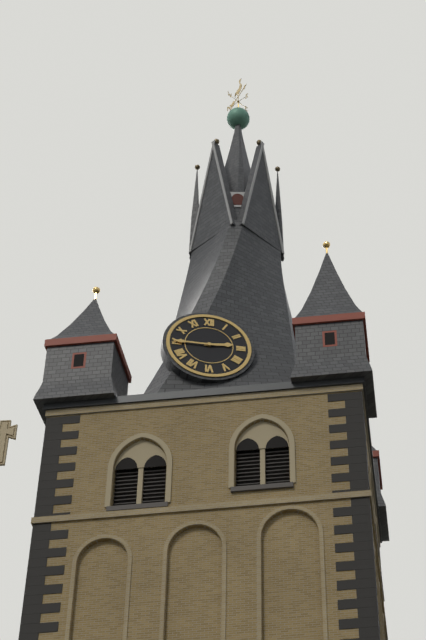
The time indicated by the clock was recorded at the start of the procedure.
2:45
